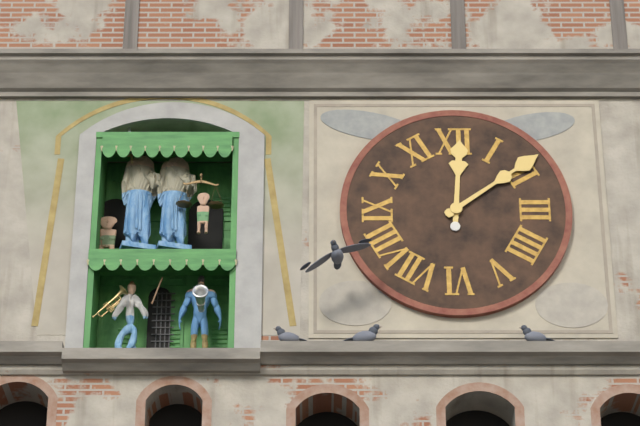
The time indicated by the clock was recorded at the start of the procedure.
12:09
